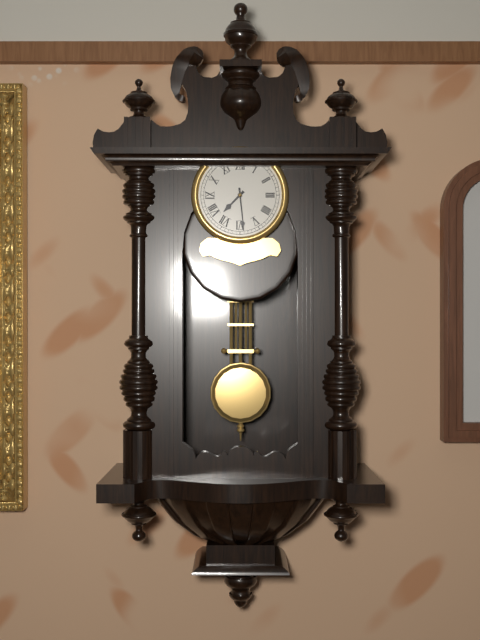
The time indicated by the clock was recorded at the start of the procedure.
7:29
